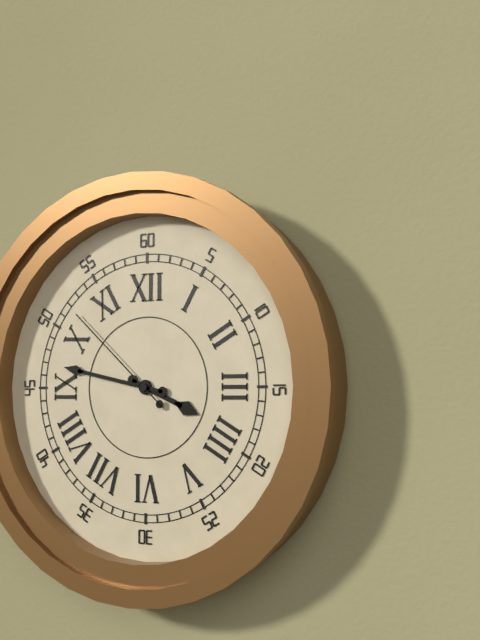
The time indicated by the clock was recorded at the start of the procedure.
3:47:52
